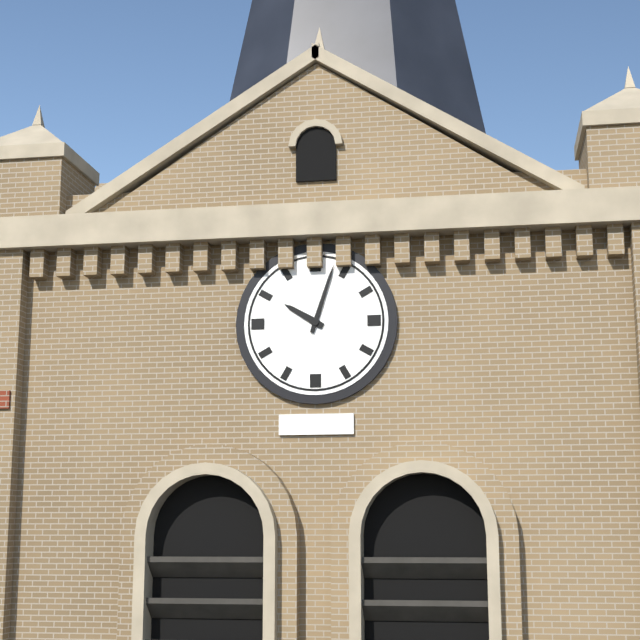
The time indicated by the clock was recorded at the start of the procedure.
10:03
